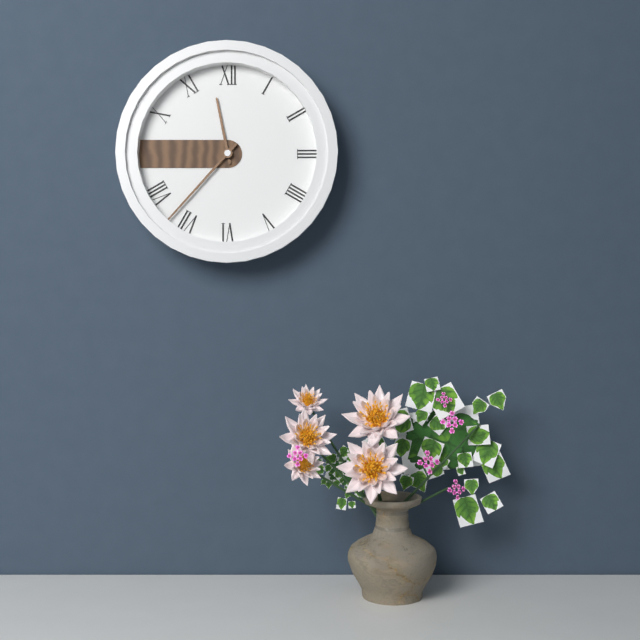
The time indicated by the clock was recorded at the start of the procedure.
11:37
